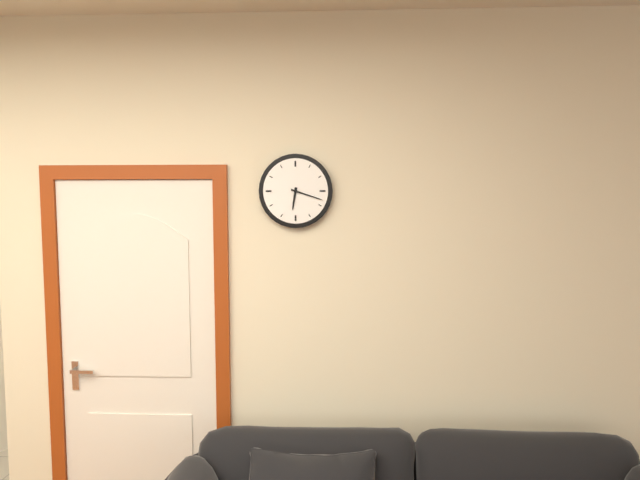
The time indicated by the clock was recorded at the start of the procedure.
6:18
